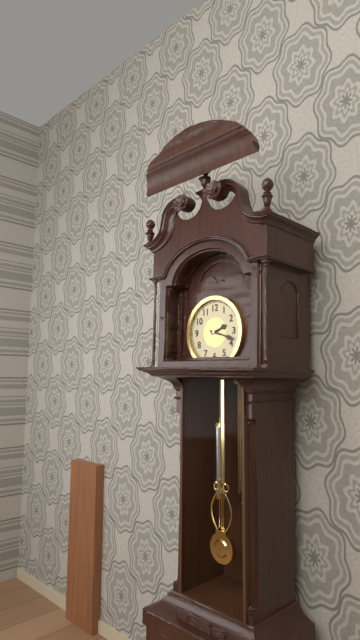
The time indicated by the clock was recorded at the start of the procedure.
2:18
